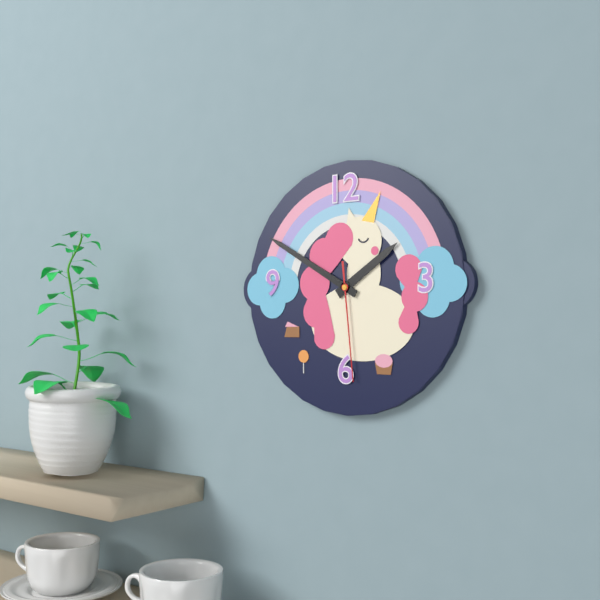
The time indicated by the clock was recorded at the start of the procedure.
1:50:29
